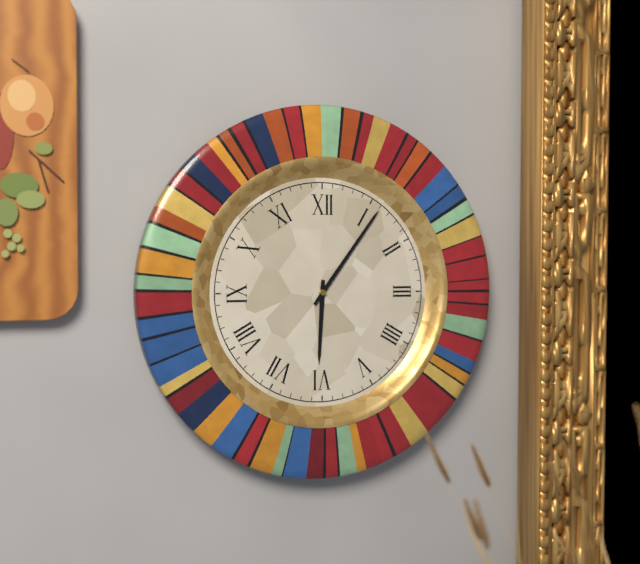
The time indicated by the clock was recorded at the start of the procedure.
6:06
